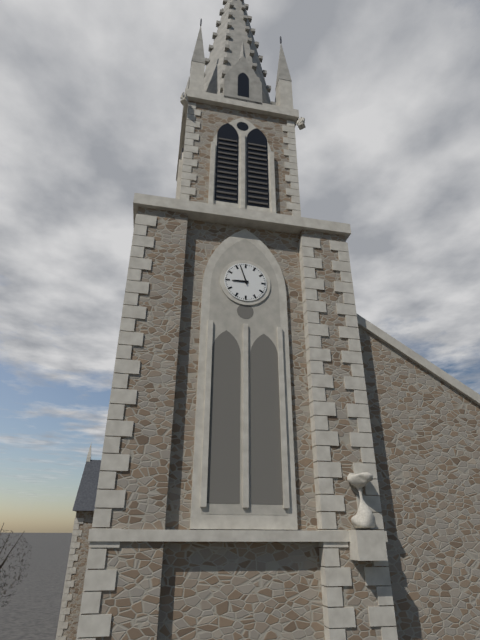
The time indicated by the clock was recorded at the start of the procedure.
8:57
